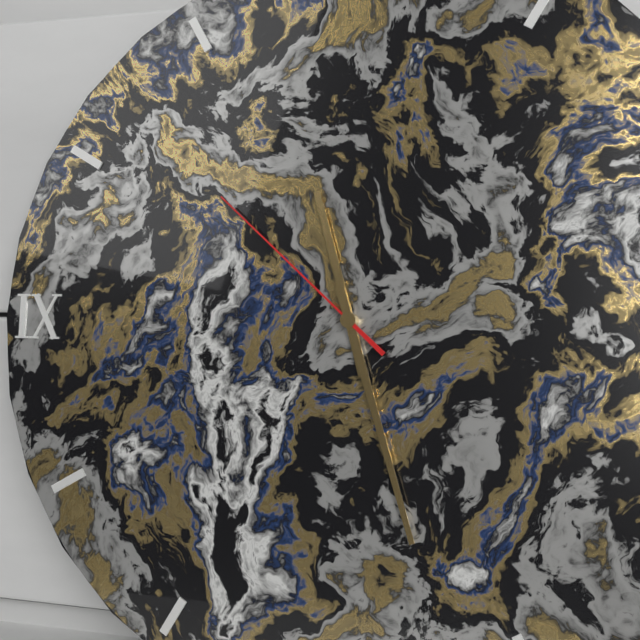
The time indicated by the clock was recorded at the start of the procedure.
11:27:52
